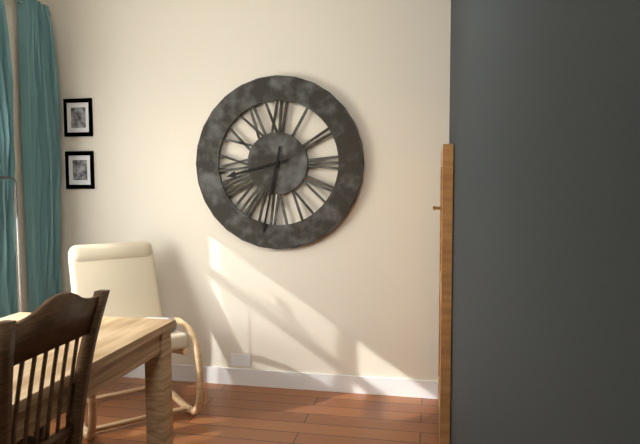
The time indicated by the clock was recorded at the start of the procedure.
8:32
